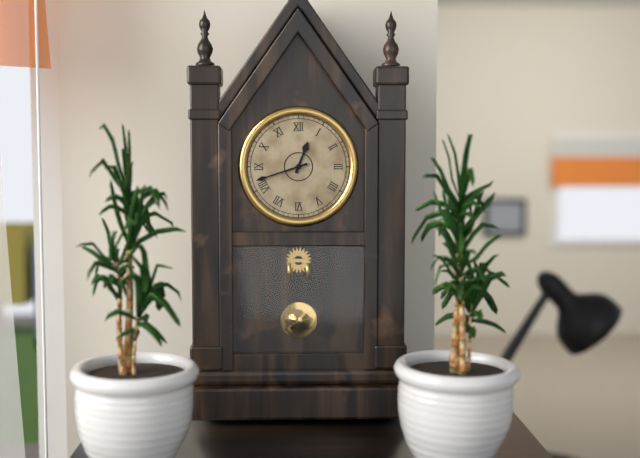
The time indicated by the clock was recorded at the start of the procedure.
12:42
